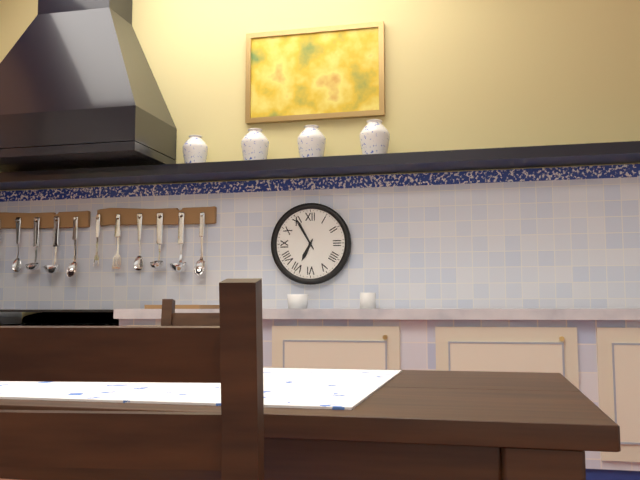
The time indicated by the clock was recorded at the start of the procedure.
6:55
